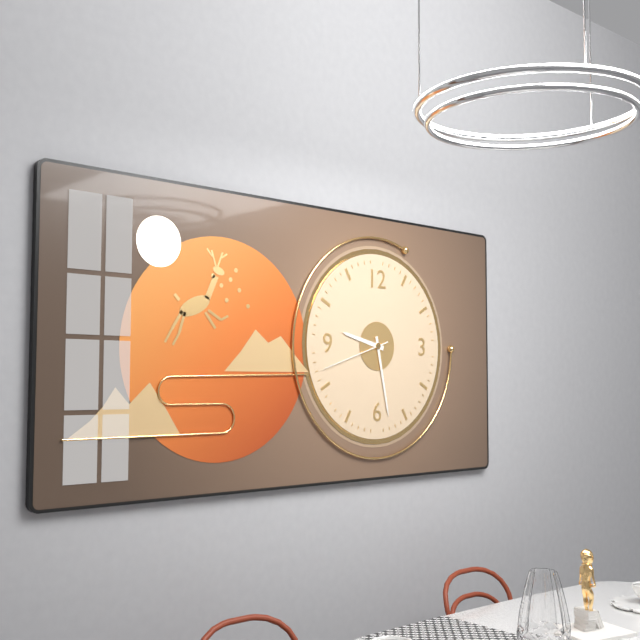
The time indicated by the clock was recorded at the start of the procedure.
9:28:42
